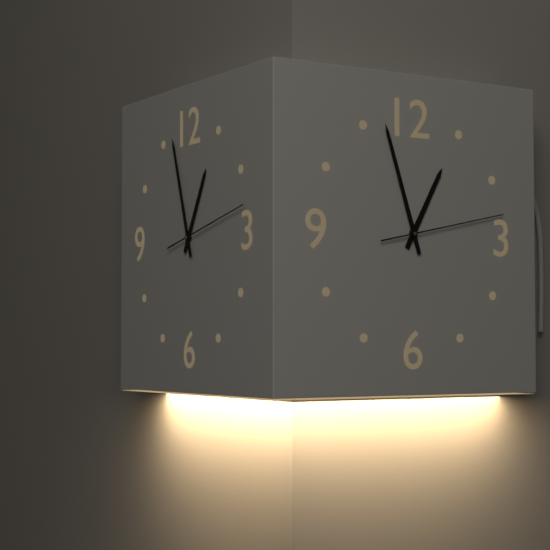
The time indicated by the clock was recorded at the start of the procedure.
12:57:13
